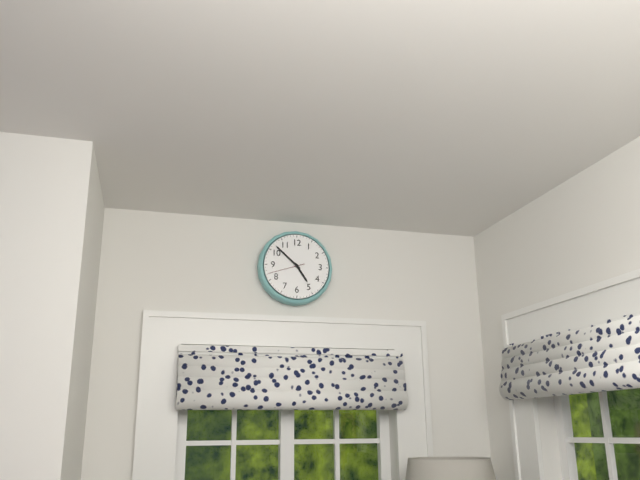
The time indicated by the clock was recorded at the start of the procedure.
4:52
